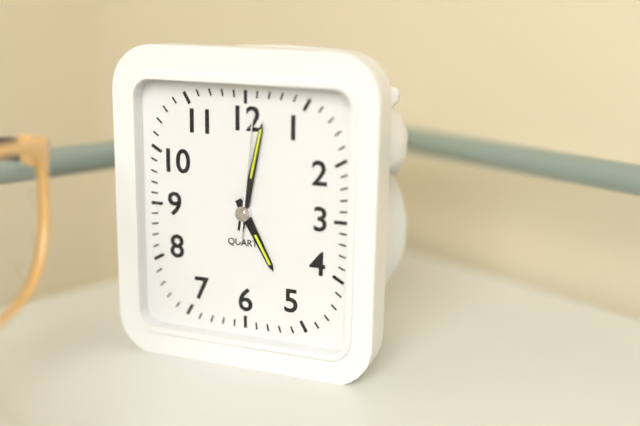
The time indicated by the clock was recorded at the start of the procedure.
5:02:01
